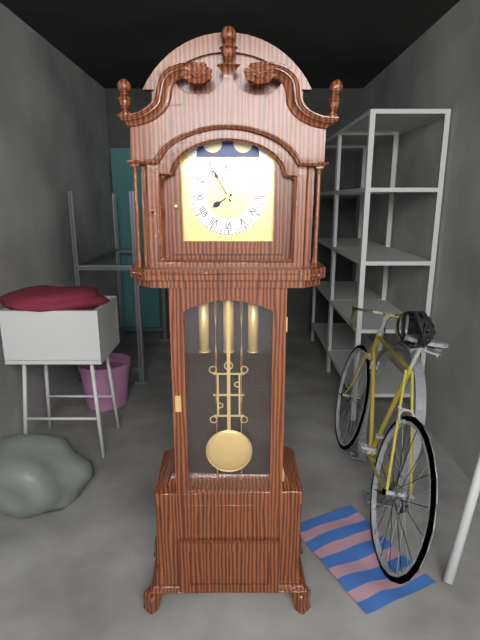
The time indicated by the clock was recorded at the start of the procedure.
7:55
